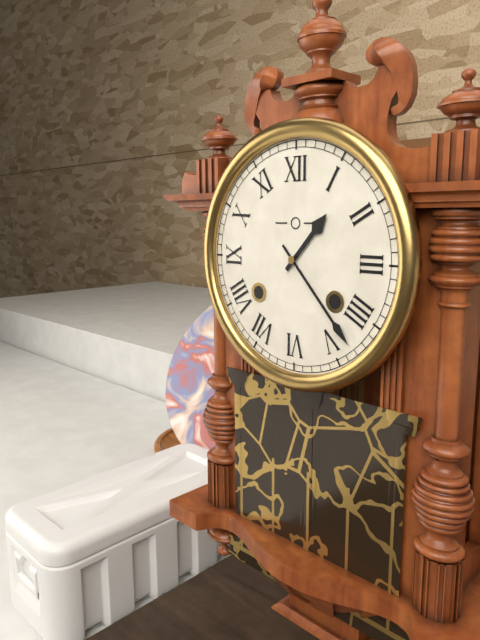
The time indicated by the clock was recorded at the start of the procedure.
1:23
